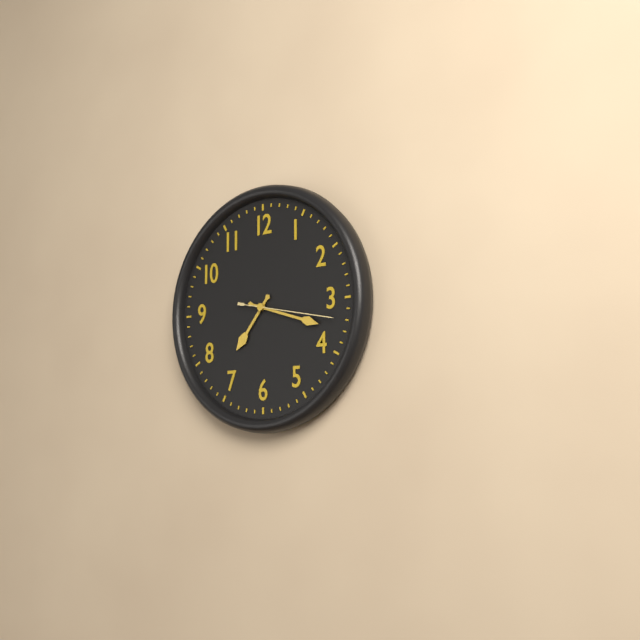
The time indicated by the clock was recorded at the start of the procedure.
7:18:17
